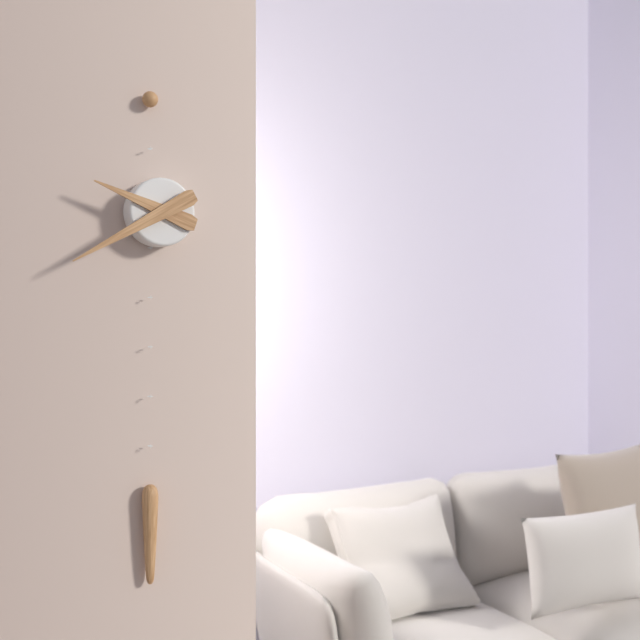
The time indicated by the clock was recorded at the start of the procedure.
9:40
